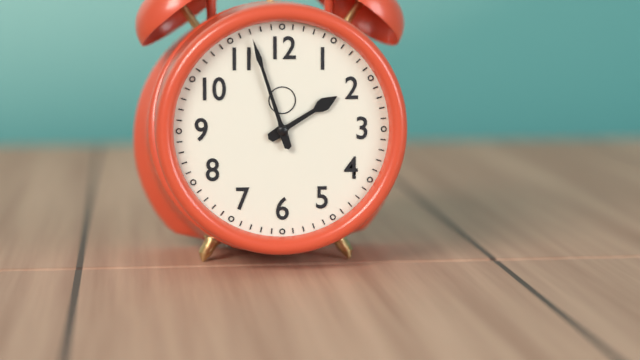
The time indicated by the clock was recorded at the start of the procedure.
1:57
